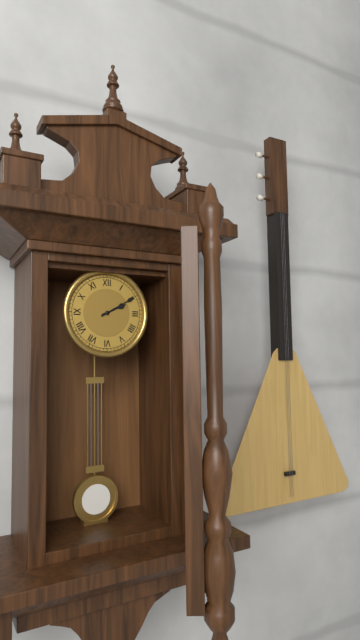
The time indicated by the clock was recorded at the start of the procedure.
2:10
